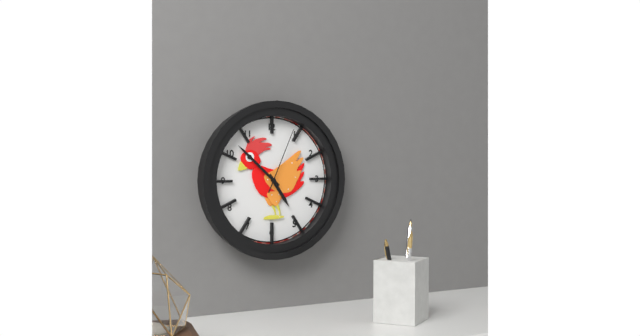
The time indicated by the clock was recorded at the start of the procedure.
4:52:04
